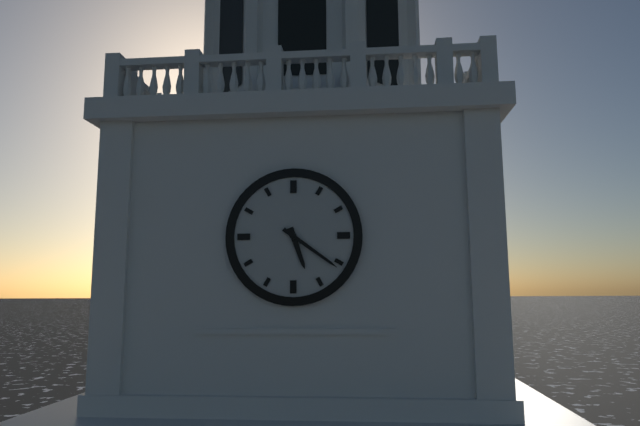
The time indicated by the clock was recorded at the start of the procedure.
5:21
